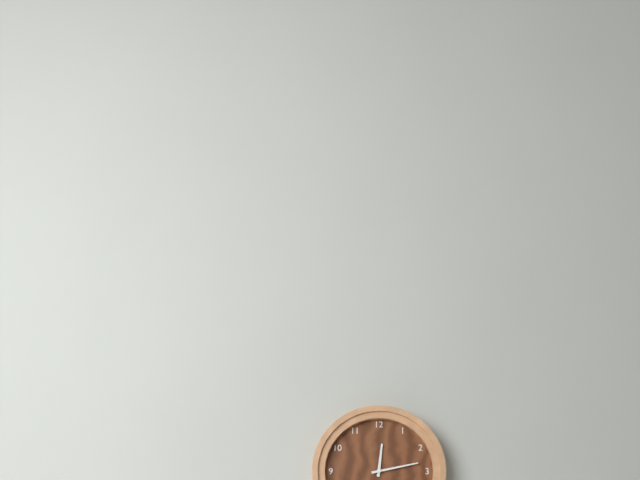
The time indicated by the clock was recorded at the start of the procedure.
12:13
